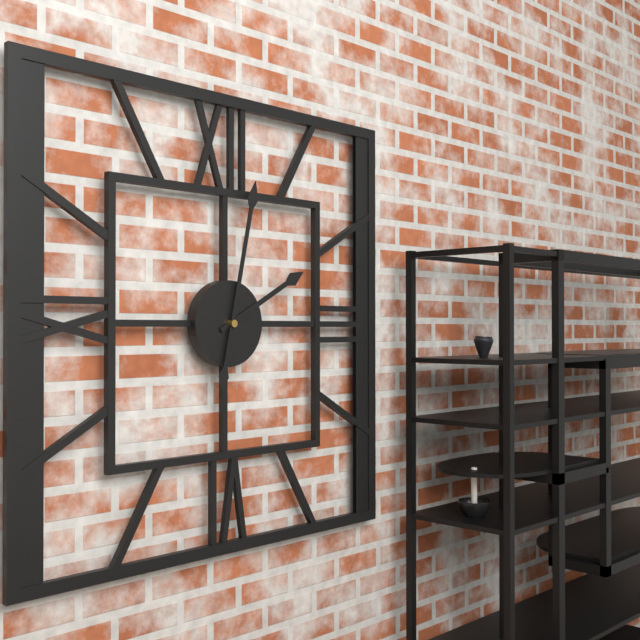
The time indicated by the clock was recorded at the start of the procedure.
2:02
